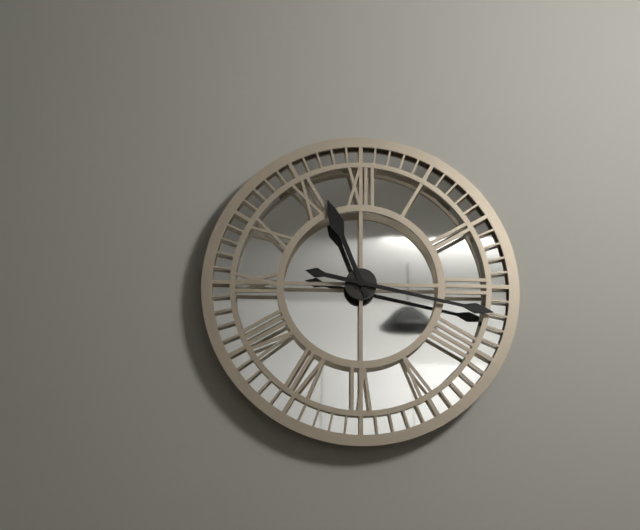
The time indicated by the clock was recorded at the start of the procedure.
11:17
